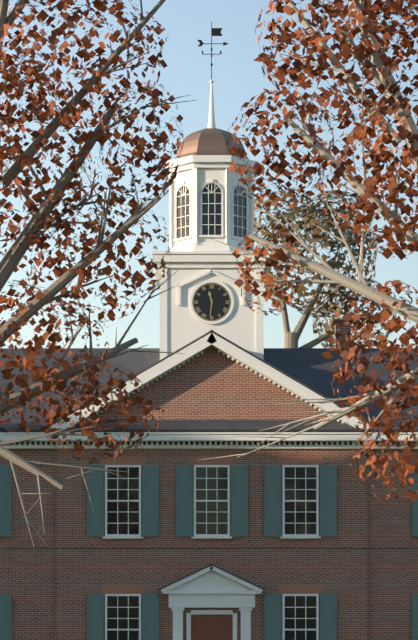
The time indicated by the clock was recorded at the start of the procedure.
11:31
